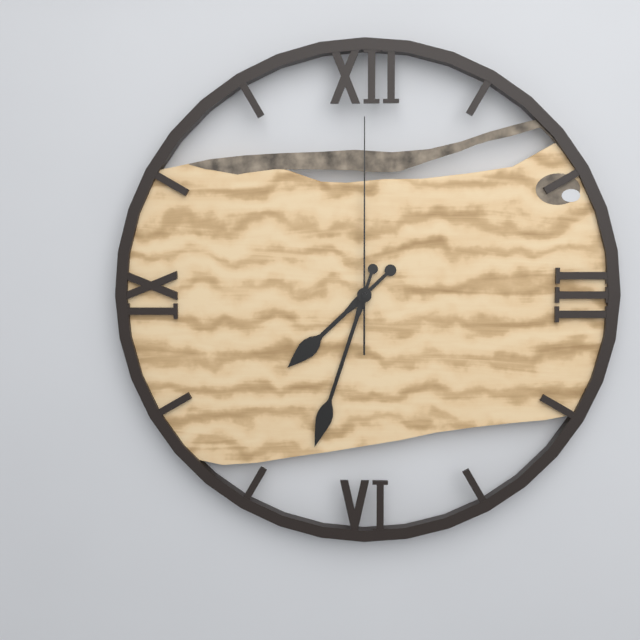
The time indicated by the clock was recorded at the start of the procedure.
7:33:00
